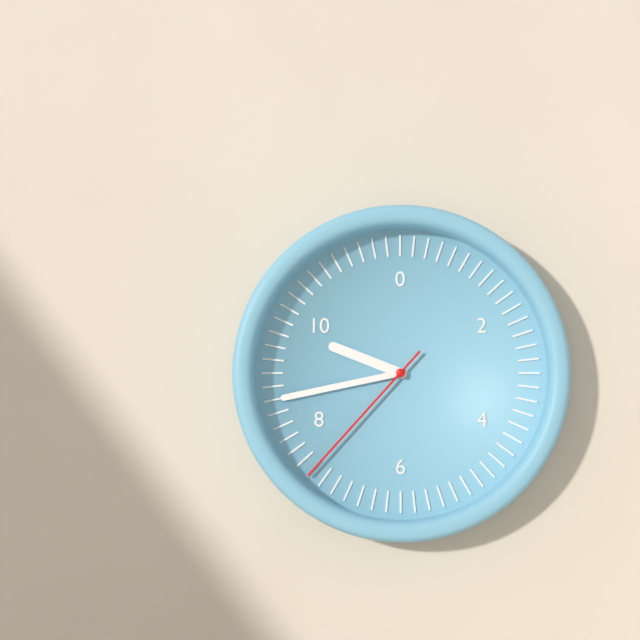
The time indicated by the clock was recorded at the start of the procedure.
9:43:37
